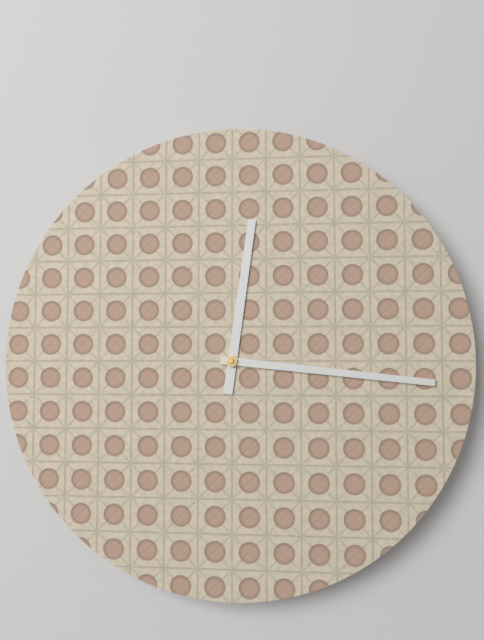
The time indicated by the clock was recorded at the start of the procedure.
12:16
